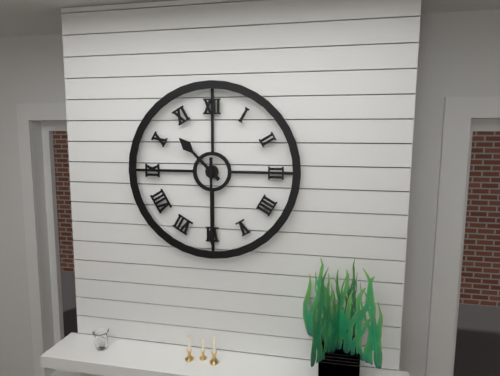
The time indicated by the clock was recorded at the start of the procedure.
10:30
